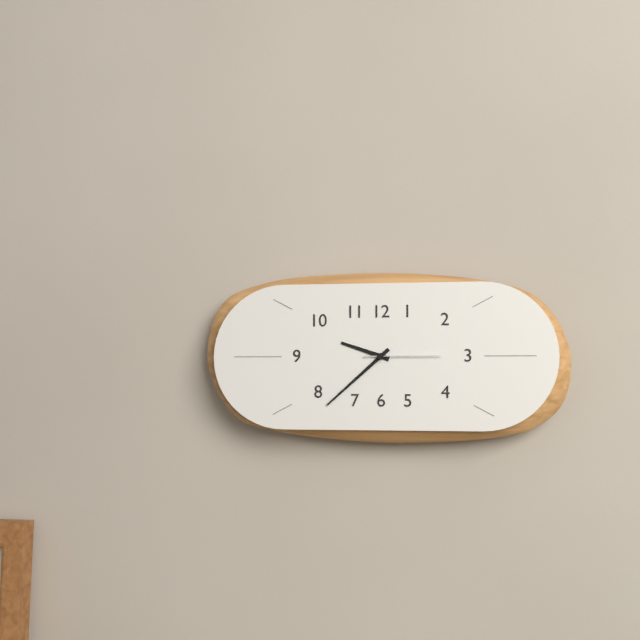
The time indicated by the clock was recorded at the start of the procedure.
9:38:15
